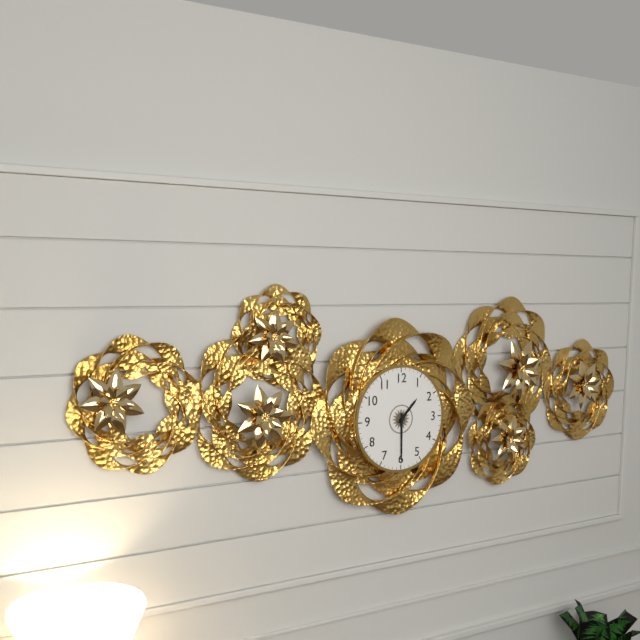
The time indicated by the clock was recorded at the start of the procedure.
1:30
